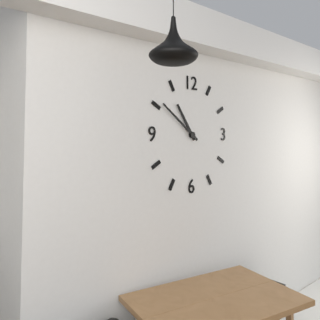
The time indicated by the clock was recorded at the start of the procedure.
10:51
